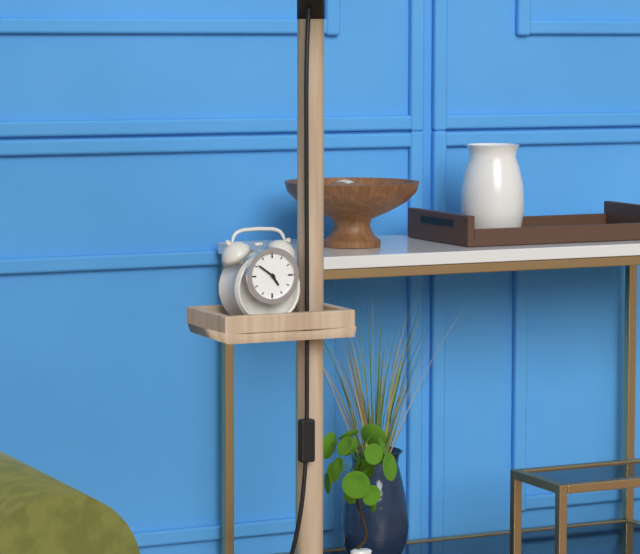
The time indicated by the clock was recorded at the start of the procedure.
4:51
